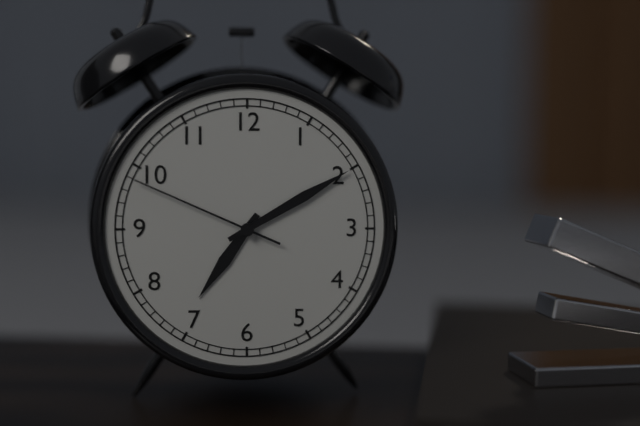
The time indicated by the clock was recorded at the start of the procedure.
7:10:49
